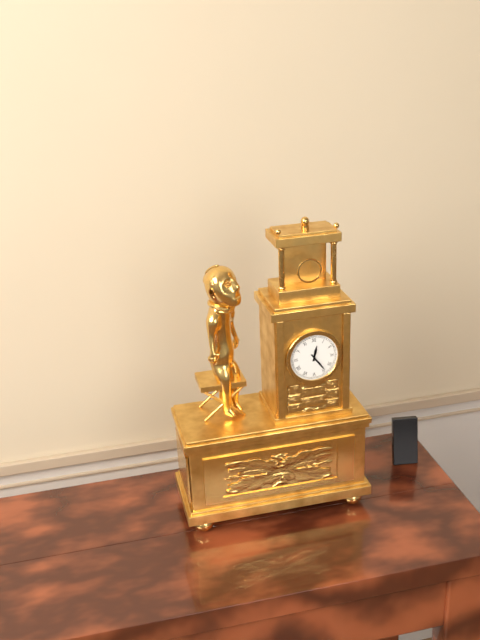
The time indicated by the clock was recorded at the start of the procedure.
12:24
